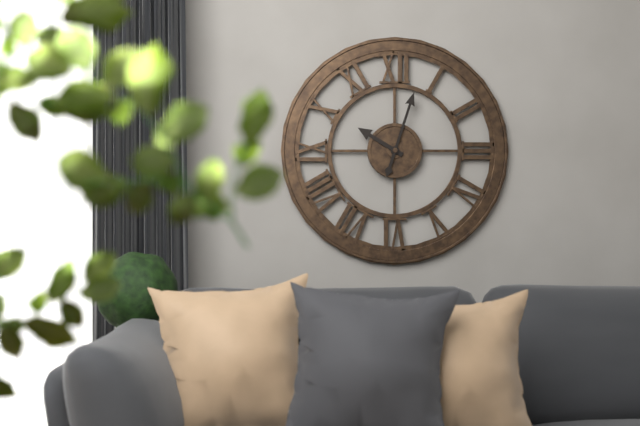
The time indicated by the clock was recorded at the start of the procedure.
10:03
